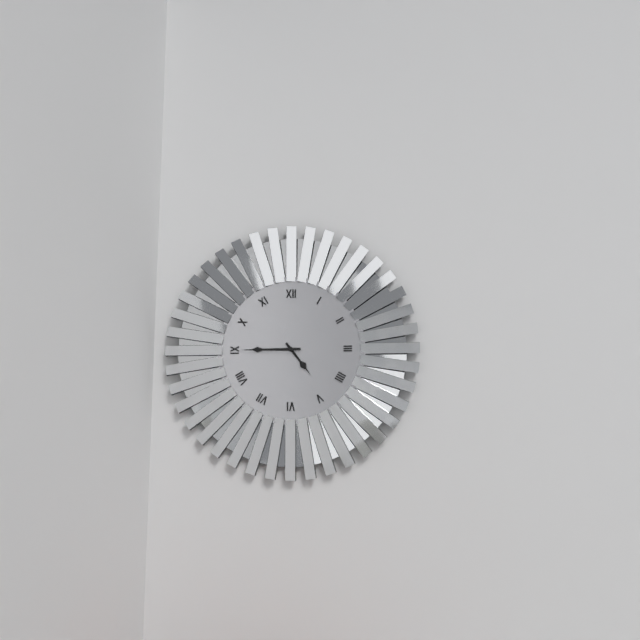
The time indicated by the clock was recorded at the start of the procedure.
4:45
